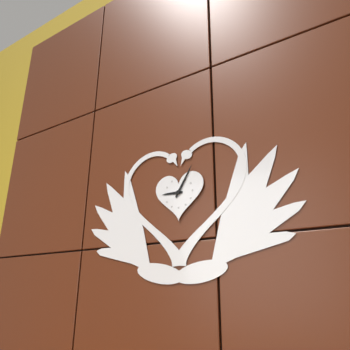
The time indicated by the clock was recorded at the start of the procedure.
9:05
